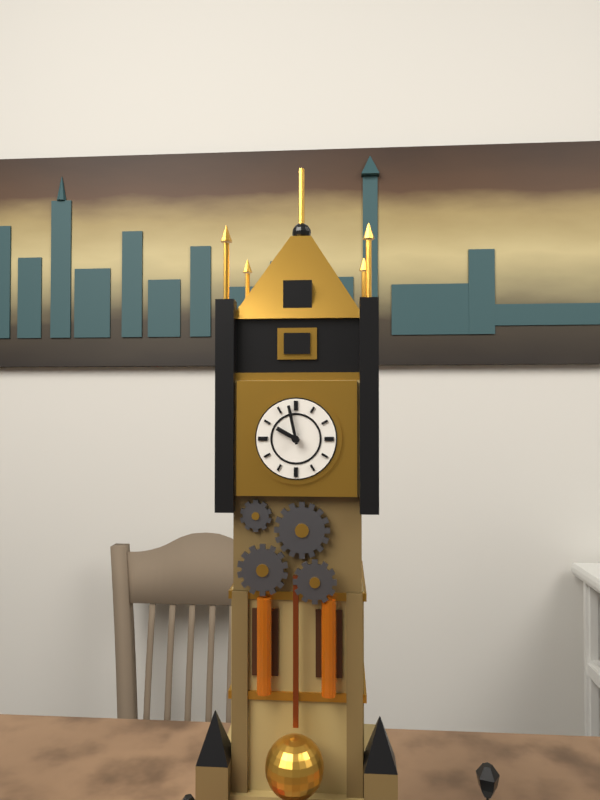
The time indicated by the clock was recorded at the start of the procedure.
9:58
